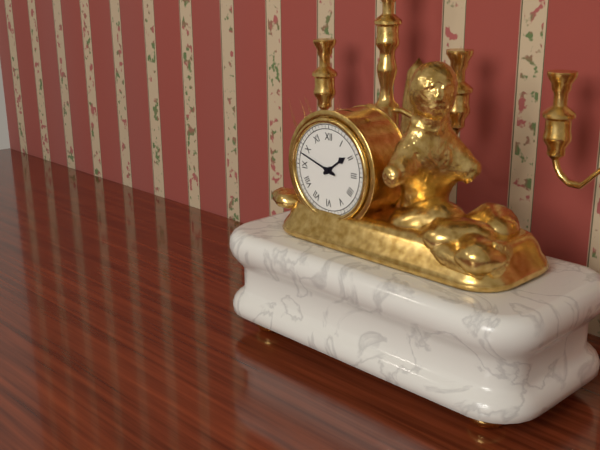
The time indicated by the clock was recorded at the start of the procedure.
1:48
